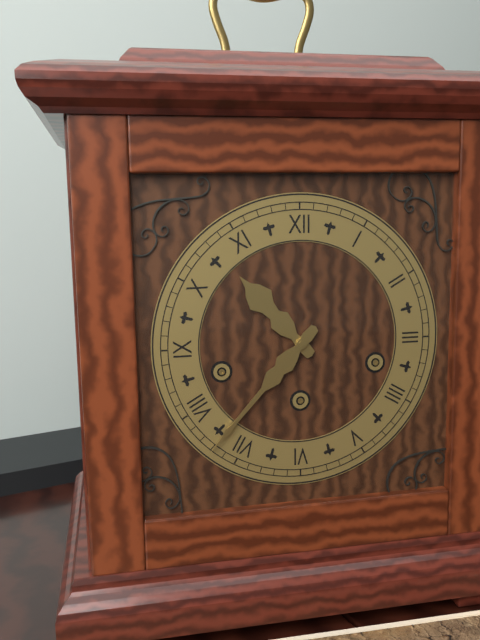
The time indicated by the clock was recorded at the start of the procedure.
10:37
